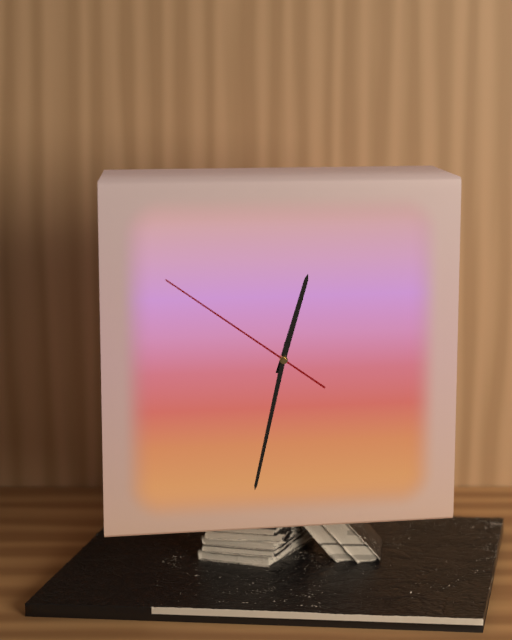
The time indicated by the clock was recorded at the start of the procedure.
12:32:51
